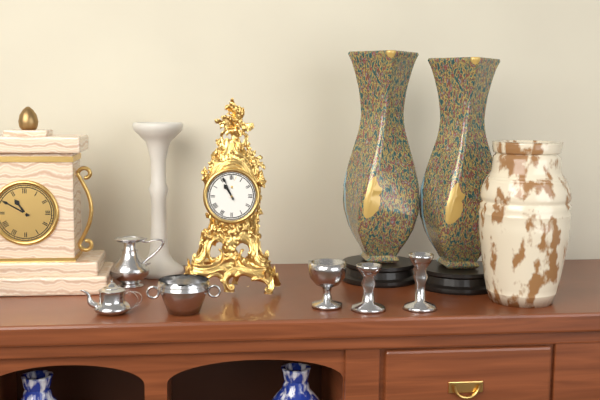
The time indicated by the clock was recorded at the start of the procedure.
10:56
